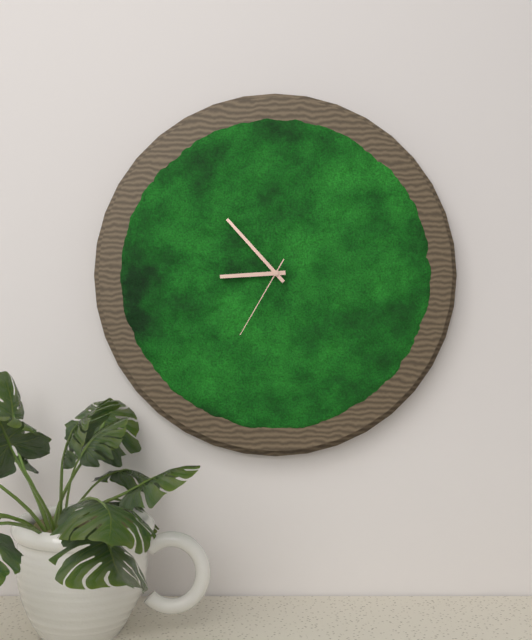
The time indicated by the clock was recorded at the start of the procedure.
8:53:35
